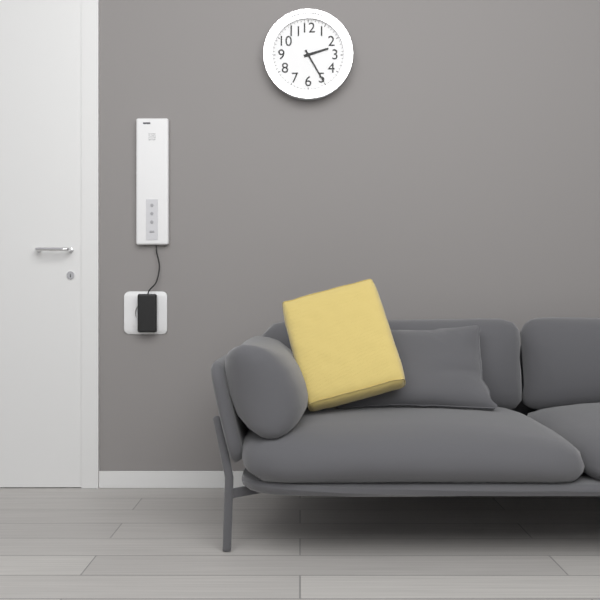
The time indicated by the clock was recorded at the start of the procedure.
2:25
